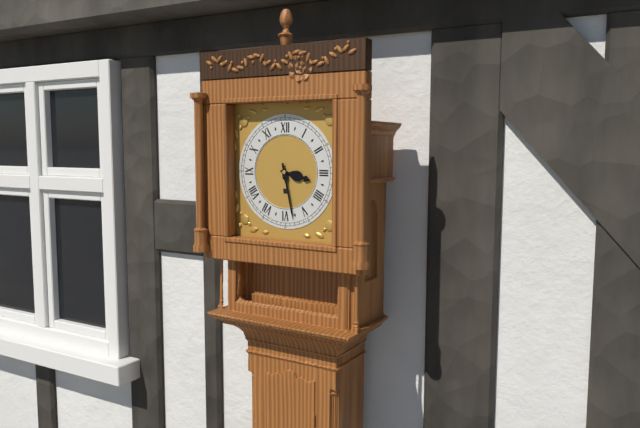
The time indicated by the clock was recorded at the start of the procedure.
3:28
